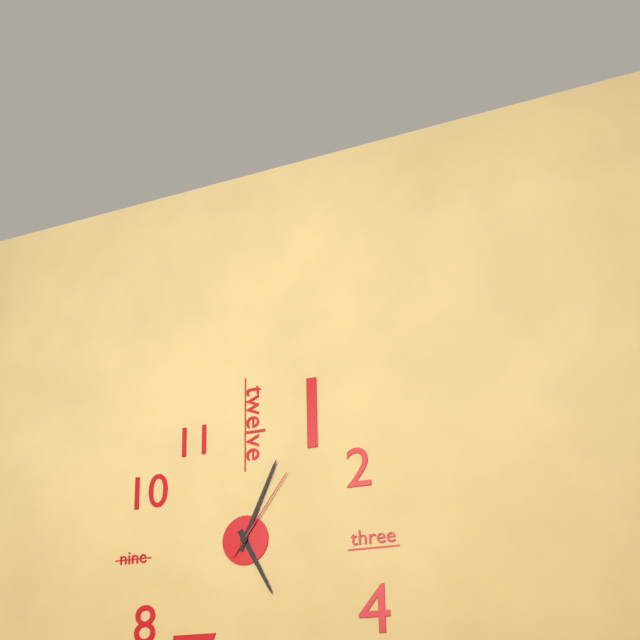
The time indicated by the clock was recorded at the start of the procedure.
5:04:06
